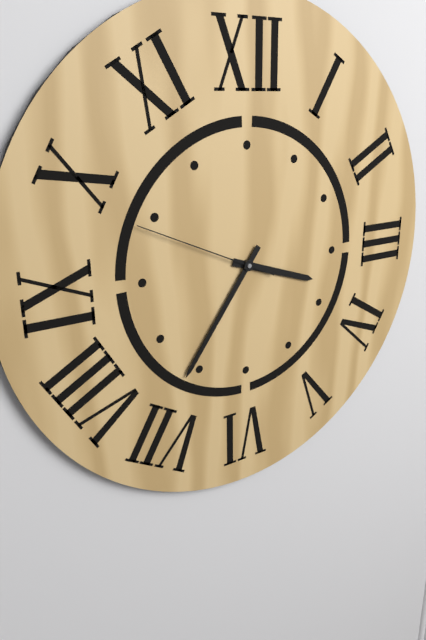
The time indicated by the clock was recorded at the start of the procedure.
3:36:49
